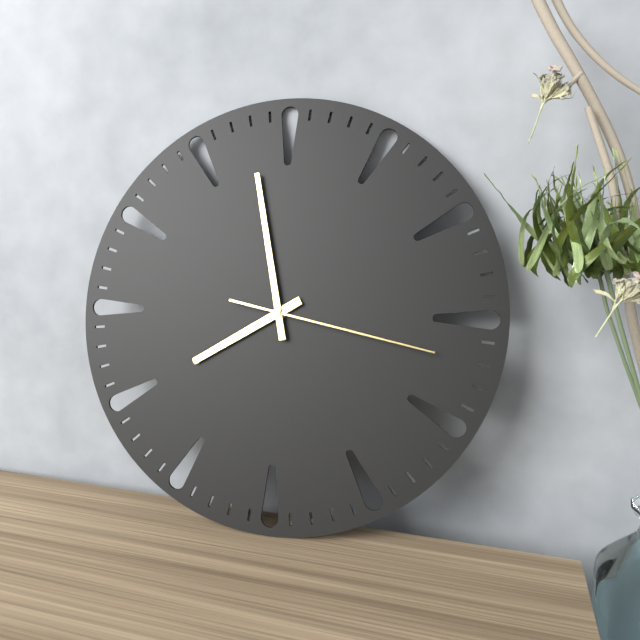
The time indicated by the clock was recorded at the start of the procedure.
7:58:17
